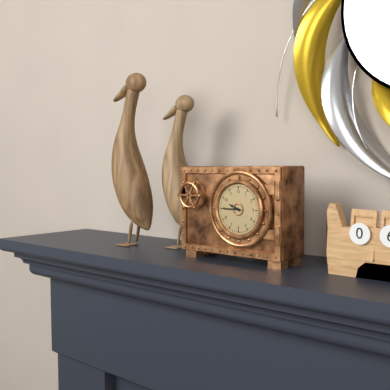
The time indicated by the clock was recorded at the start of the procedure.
9:45
